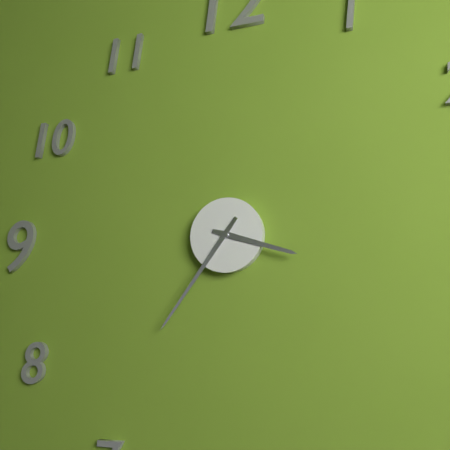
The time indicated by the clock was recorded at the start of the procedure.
3:36
